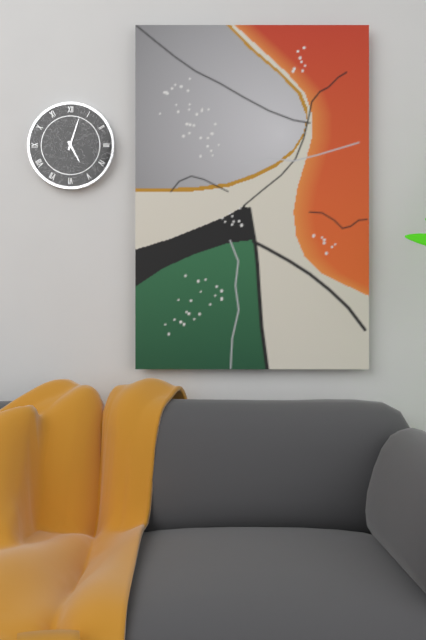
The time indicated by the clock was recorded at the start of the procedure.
5:03
